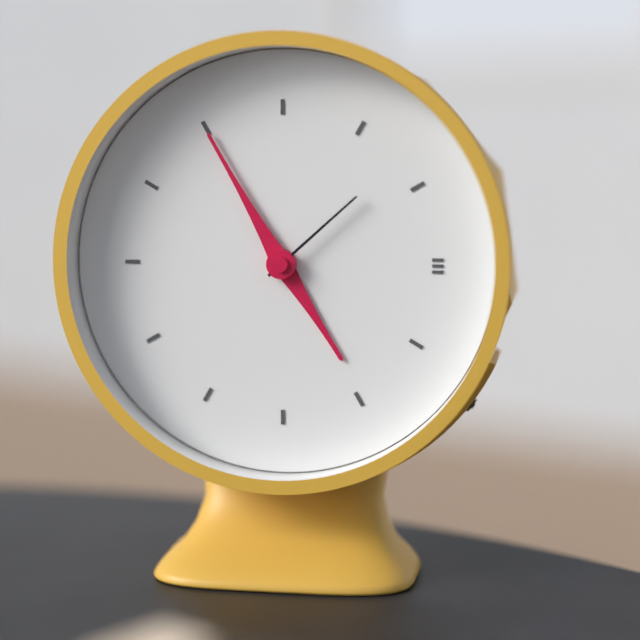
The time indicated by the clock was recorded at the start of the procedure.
4:55:08
